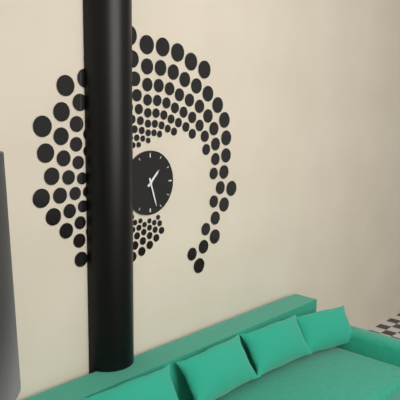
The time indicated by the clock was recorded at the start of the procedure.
1:27
